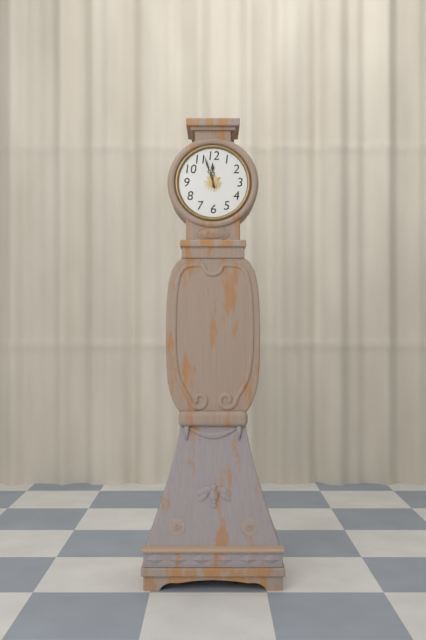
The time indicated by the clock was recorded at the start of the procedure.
11:57
